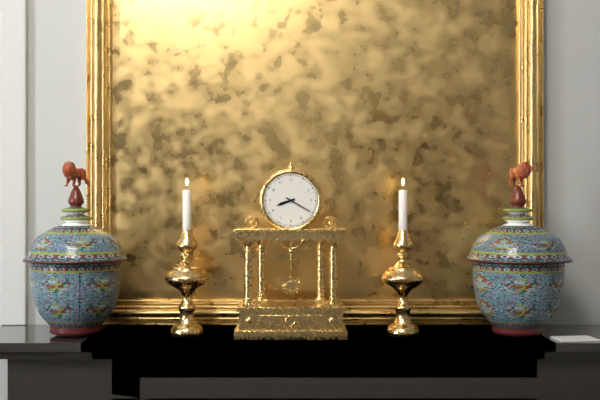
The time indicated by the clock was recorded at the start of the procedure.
8:20
